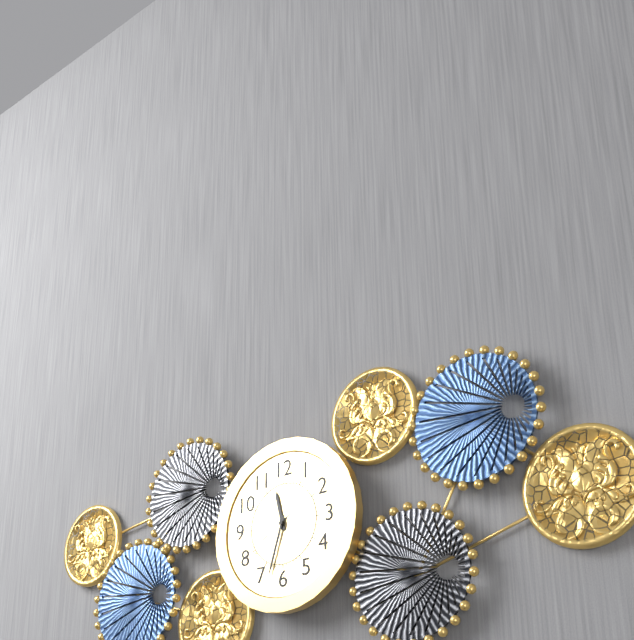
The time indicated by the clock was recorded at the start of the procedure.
11:33:40
